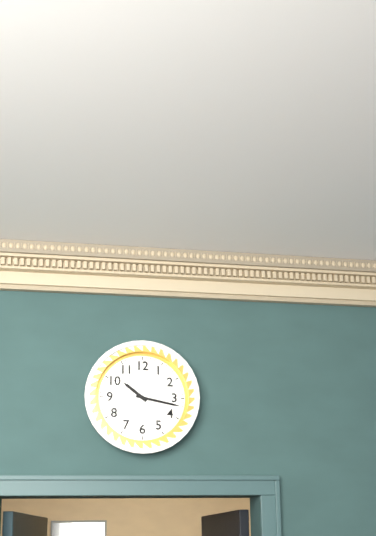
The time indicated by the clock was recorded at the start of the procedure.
10:17
